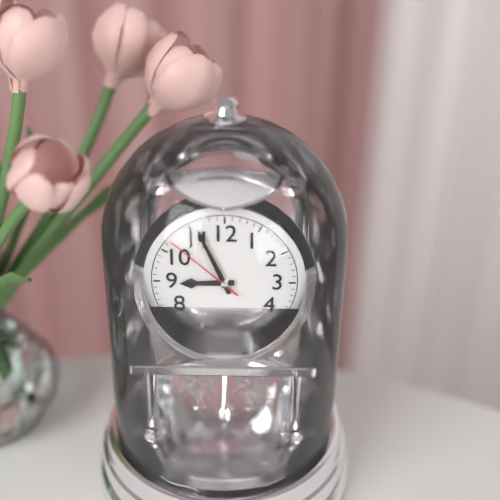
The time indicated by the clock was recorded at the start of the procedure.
8:56:52
